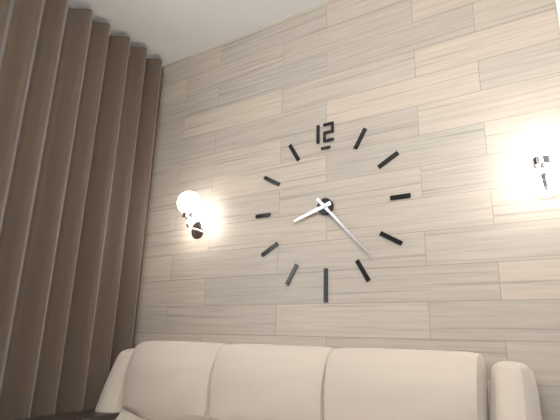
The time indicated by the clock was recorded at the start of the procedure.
8:23
